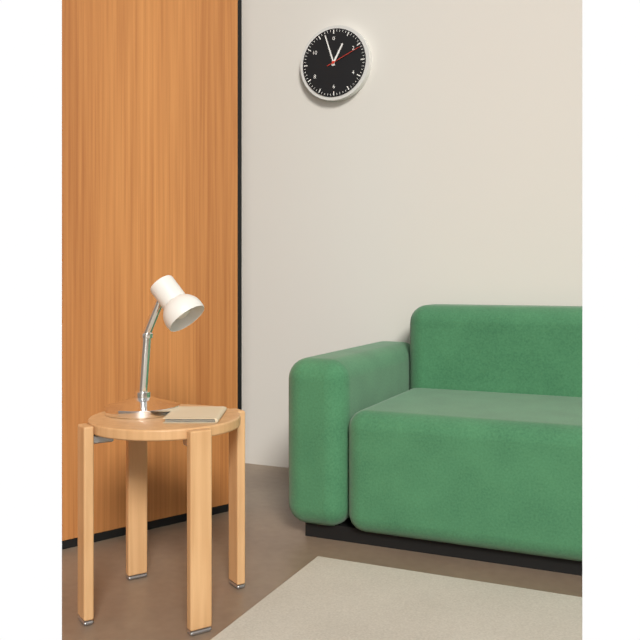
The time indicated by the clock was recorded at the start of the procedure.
12:57
